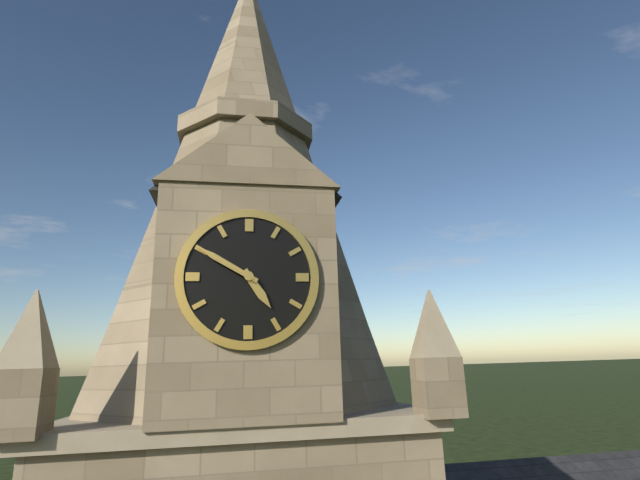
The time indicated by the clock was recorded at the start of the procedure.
4:50
